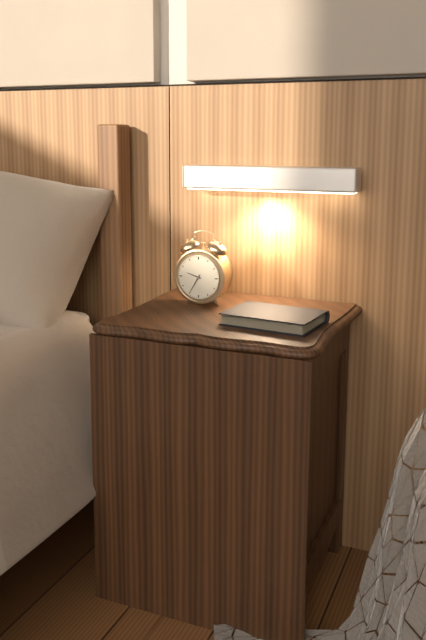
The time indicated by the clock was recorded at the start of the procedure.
9:35
